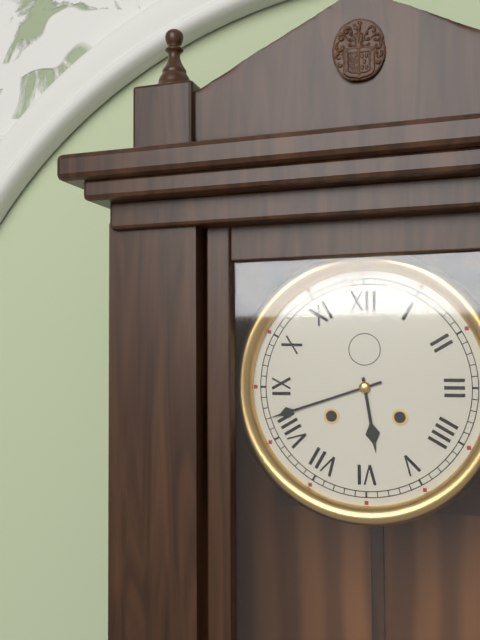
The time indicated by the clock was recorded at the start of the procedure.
5:42
